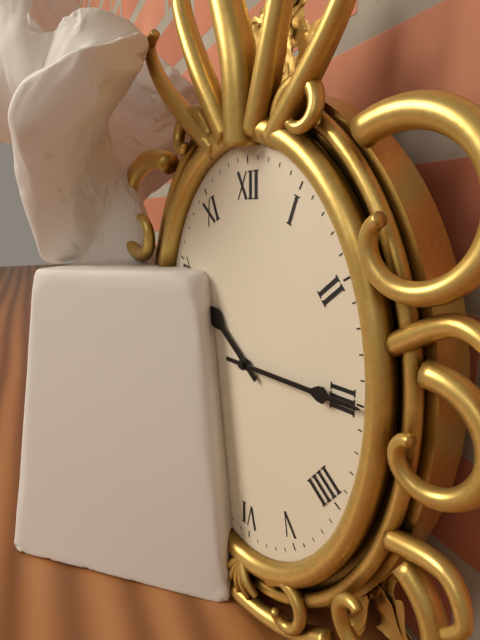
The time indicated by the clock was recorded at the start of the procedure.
10:15
